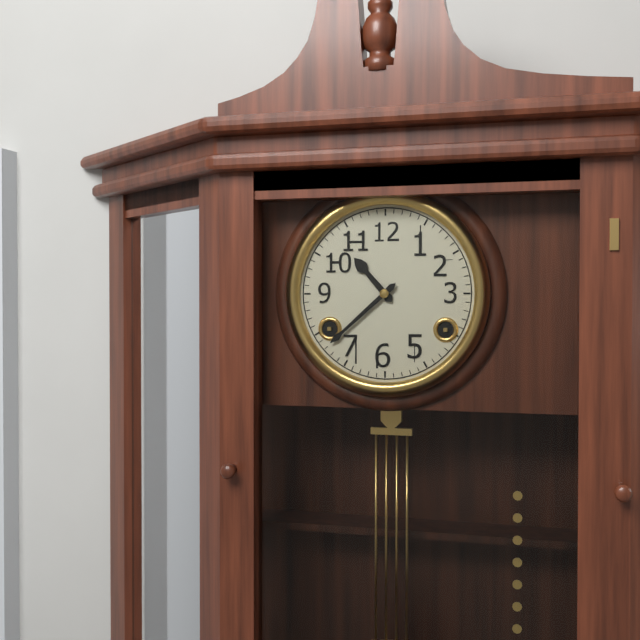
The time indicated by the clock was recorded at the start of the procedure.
10:38
